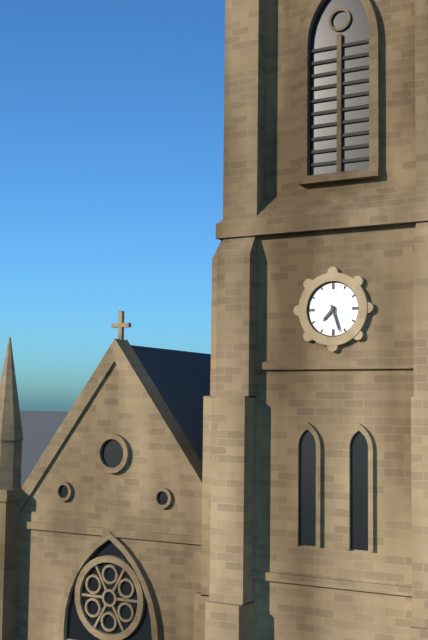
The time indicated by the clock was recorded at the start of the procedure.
7:27
